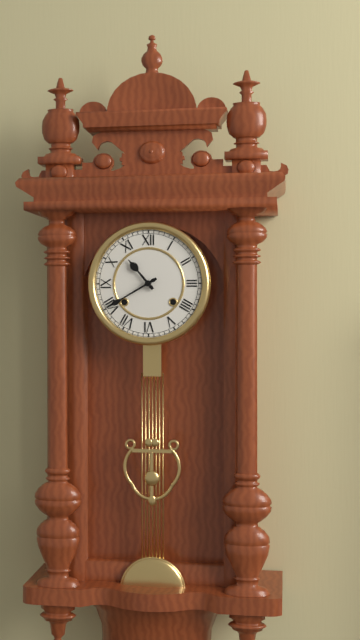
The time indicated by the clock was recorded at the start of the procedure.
10:40
